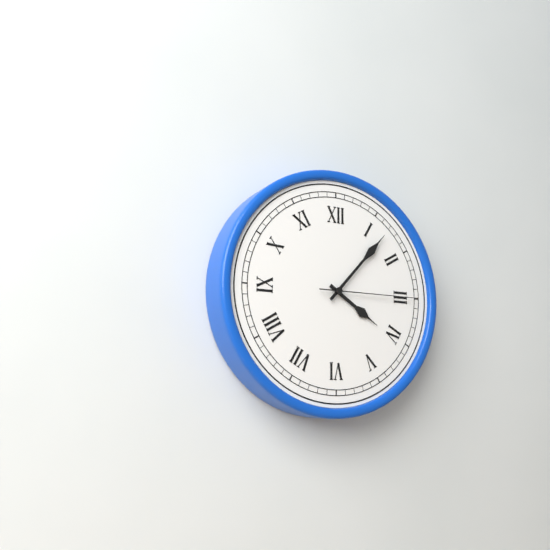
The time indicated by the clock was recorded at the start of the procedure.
4:07:15
